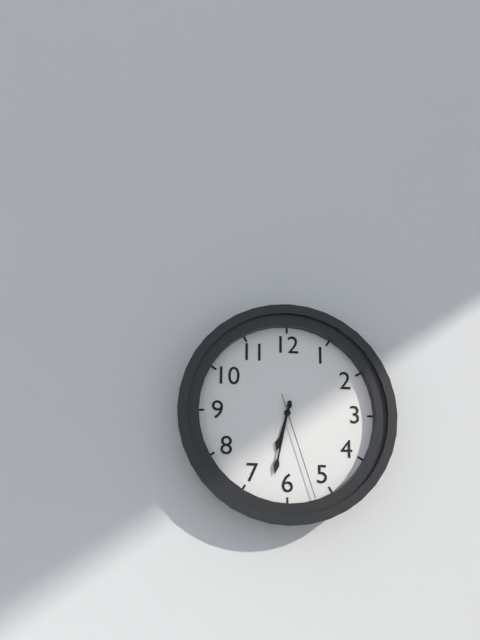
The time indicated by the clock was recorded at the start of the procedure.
6:32:27
